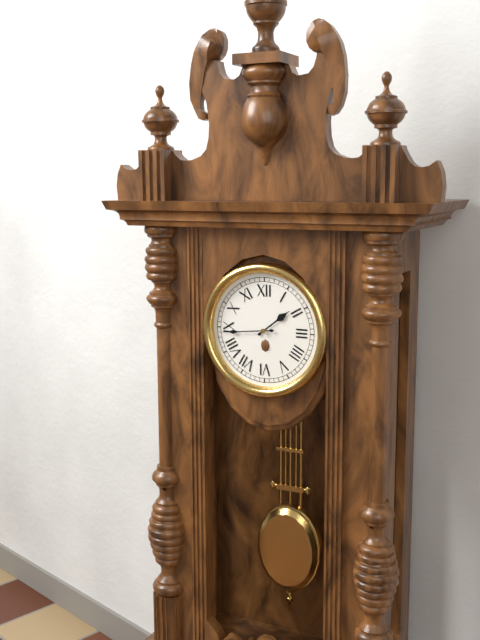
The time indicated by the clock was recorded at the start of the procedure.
1:44
